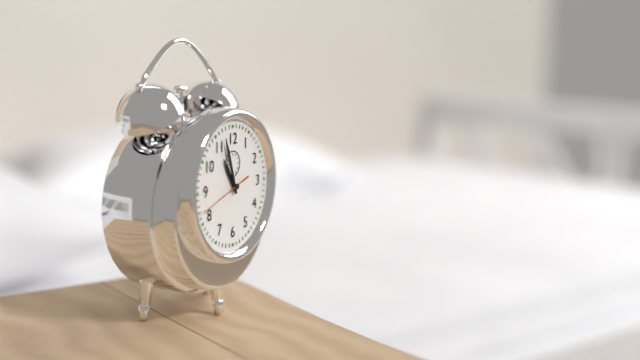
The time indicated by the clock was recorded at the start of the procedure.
10:57:42
